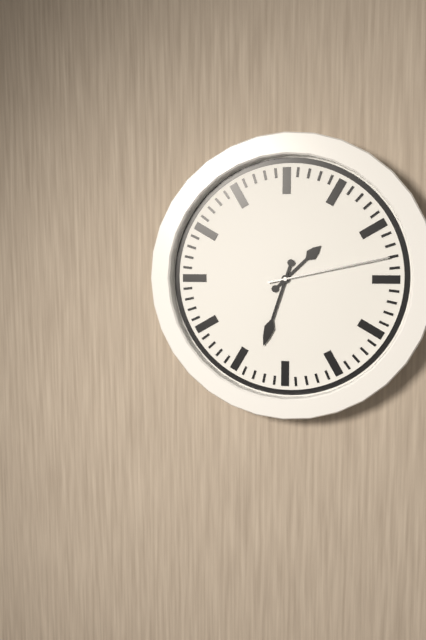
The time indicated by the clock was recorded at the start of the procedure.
1:33:13
